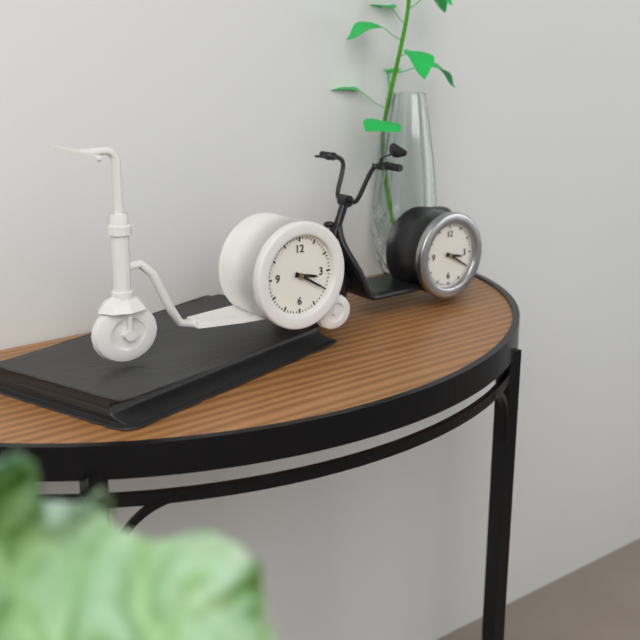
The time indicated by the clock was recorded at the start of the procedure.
3:20
